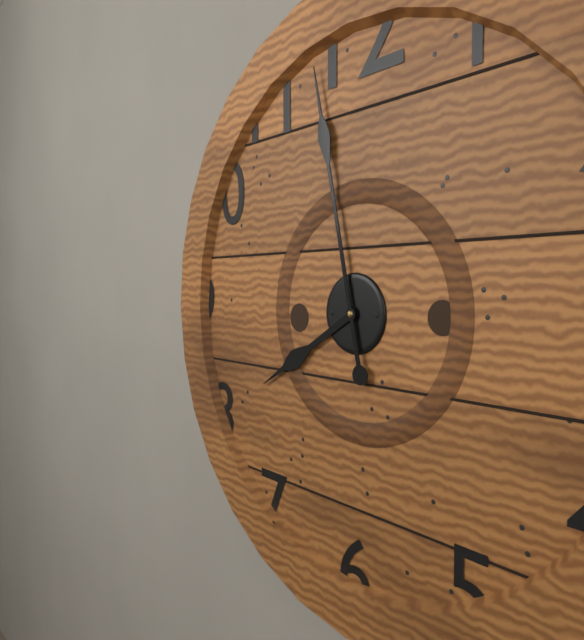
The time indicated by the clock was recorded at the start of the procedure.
7:58
